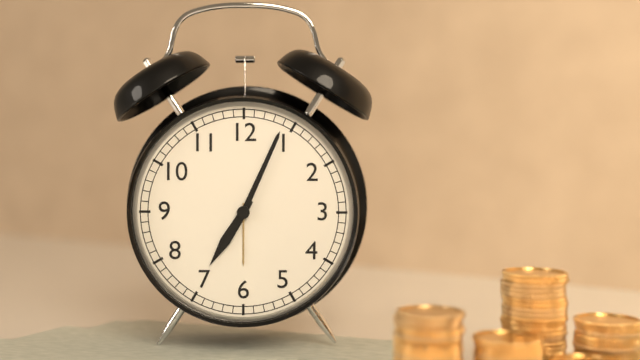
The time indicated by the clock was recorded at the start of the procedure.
7:04
